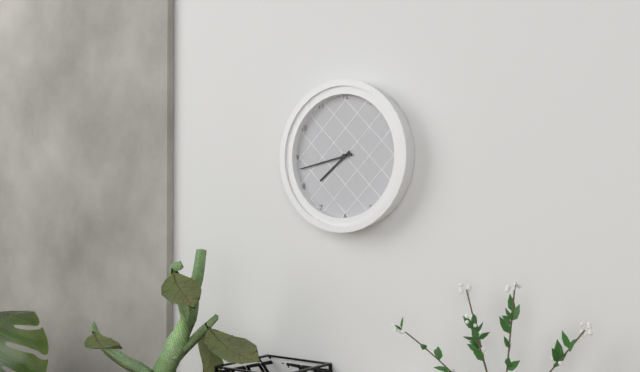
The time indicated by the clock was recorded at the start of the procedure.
7:43
